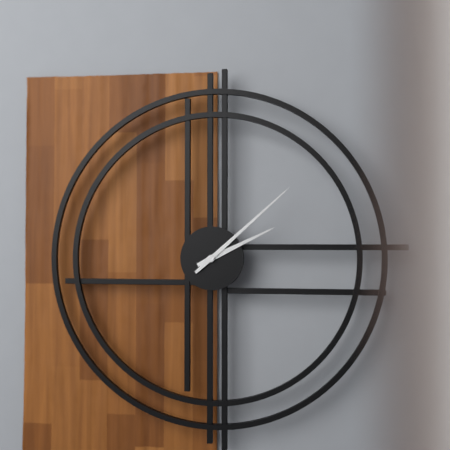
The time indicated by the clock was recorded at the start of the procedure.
2:08
